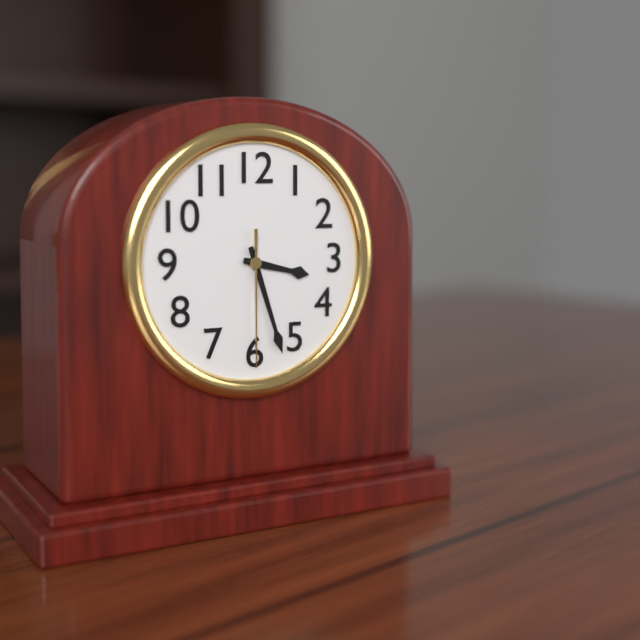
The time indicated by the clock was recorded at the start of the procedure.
3:27:30
